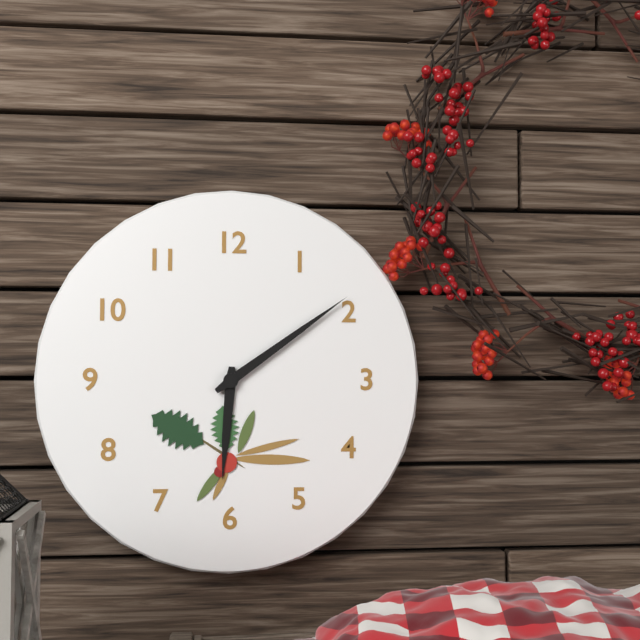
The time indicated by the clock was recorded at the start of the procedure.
6:09
